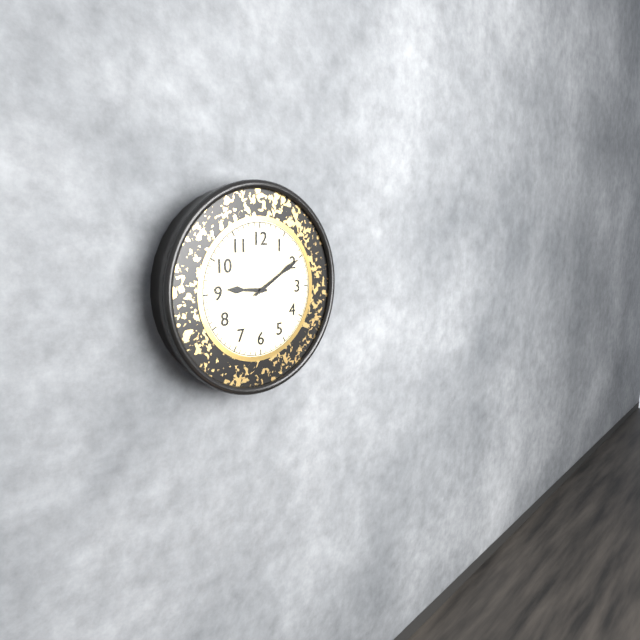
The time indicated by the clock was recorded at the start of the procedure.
9:10
